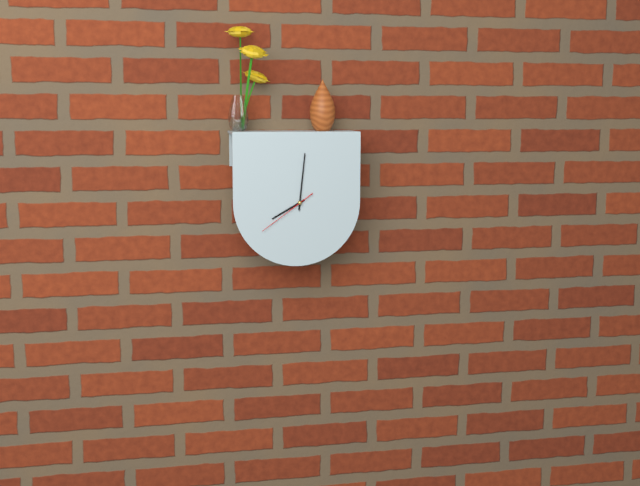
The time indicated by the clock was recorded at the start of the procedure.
8:01:39
